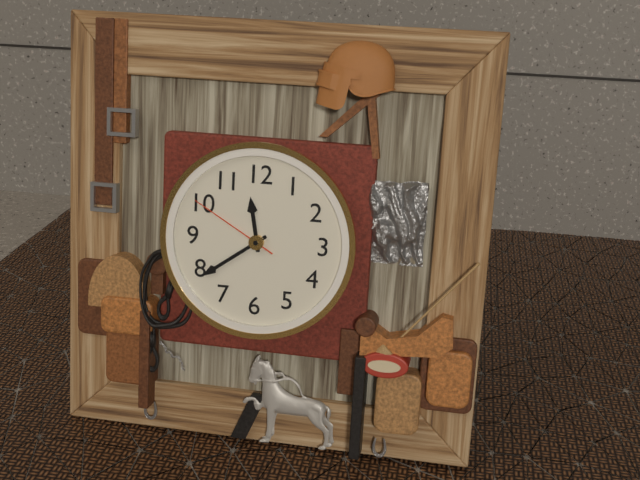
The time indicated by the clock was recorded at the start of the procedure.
11:39:50
